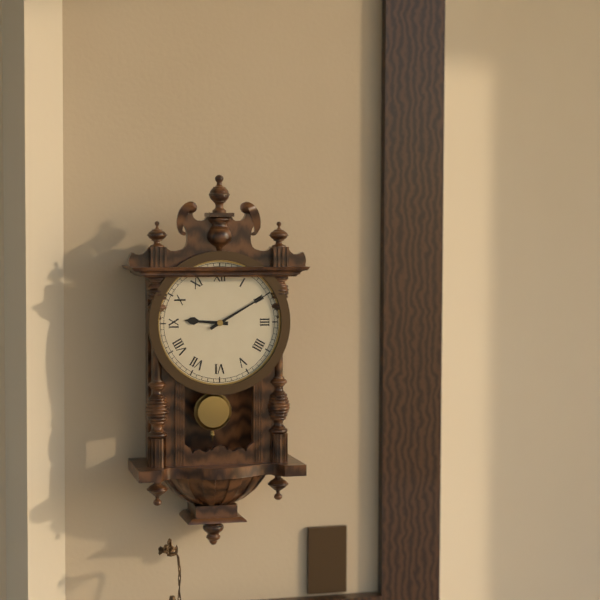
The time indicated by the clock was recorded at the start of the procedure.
9:10
